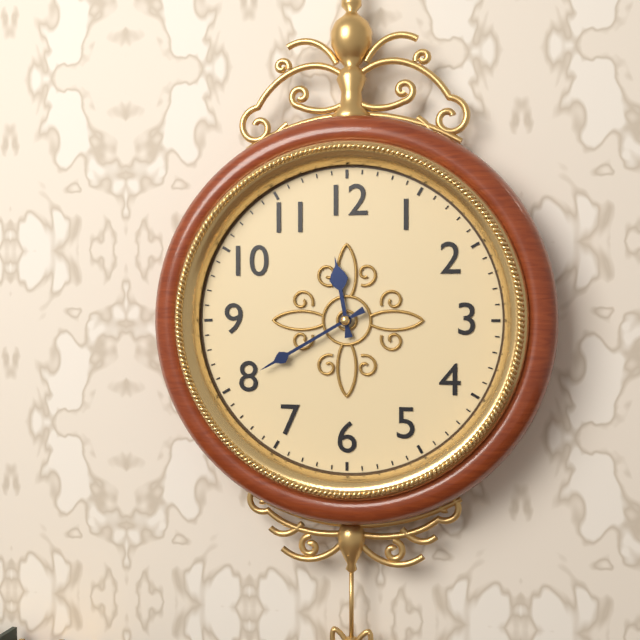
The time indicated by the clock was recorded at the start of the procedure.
11:40
